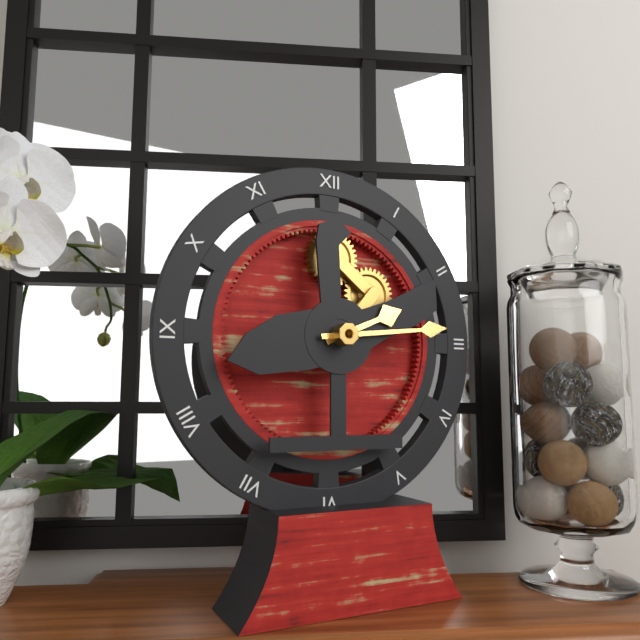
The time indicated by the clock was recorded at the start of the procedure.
2:14
